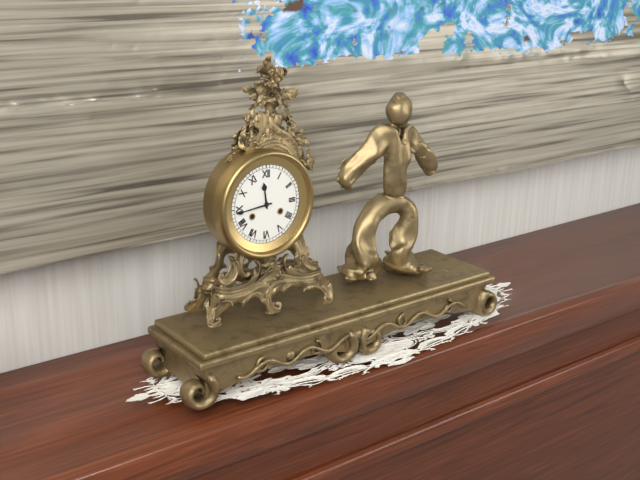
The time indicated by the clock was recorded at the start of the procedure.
11:44
